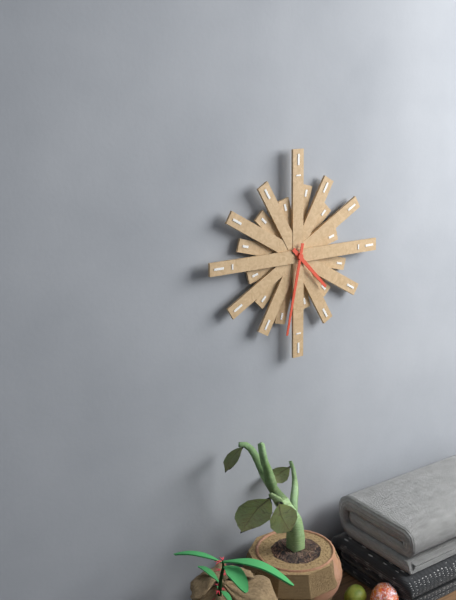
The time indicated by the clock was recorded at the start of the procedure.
4:32
